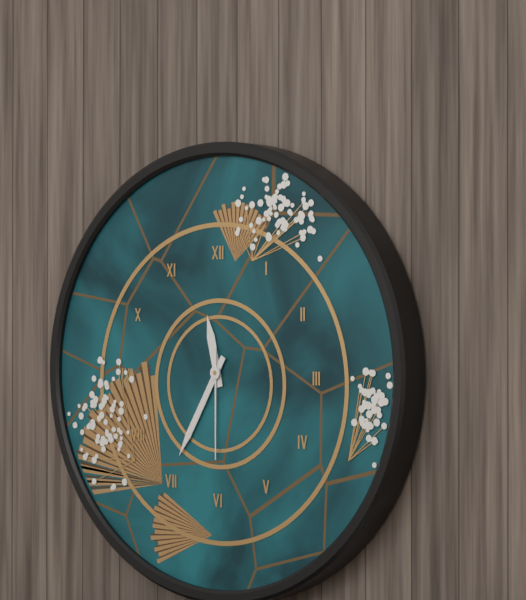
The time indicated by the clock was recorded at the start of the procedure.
11:35:30
